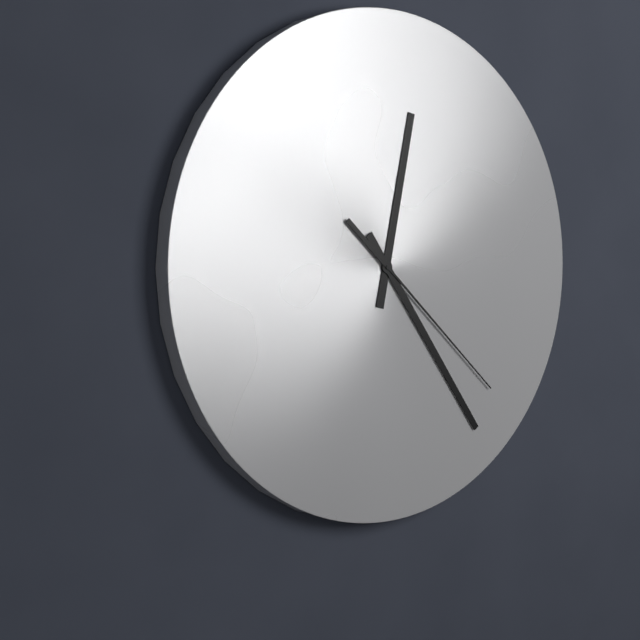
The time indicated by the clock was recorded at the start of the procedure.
12:24:22
